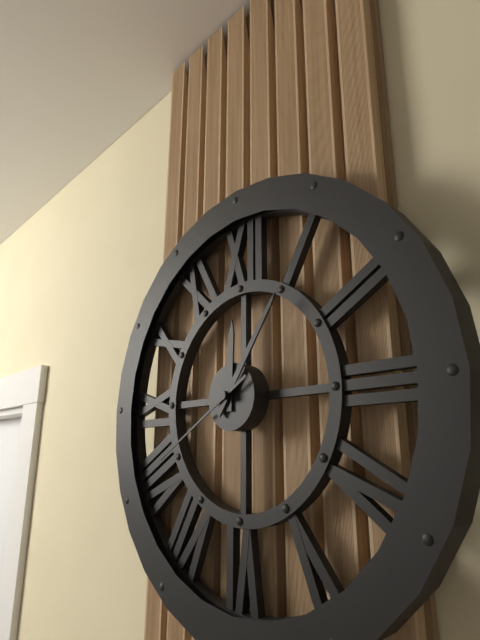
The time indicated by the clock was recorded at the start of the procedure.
12:06:40
